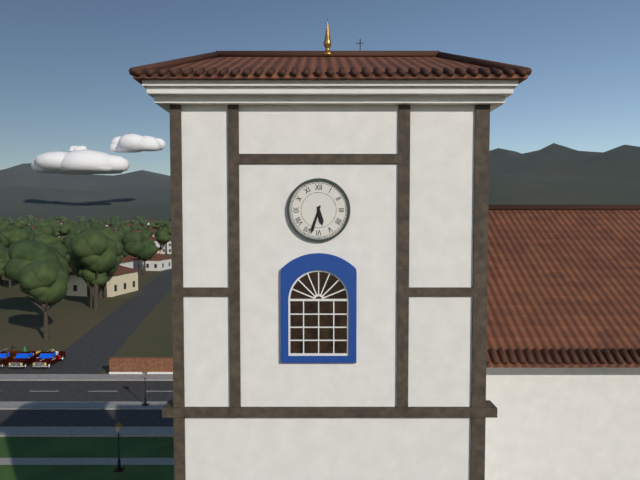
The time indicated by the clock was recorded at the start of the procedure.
5:33
